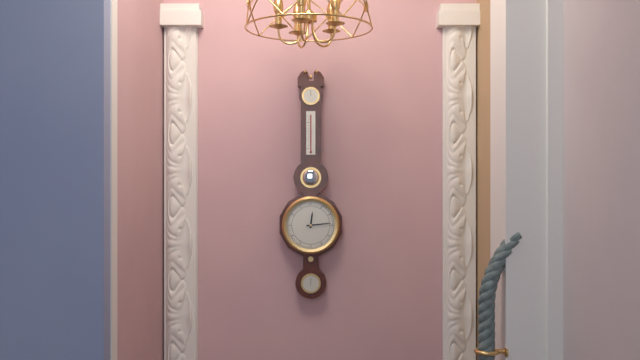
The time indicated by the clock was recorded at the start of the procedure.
12:14
